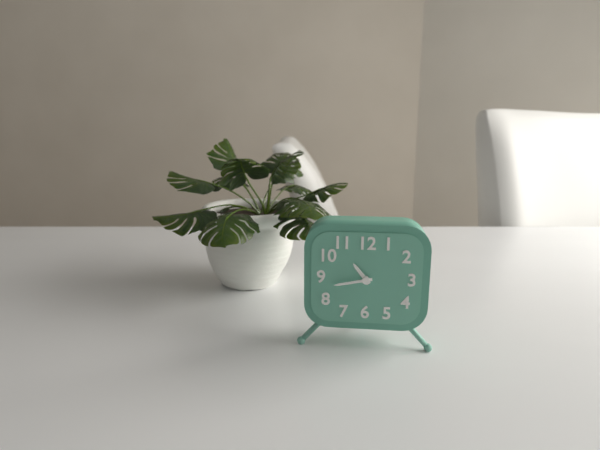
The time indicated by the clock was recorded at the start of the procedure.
10:43
